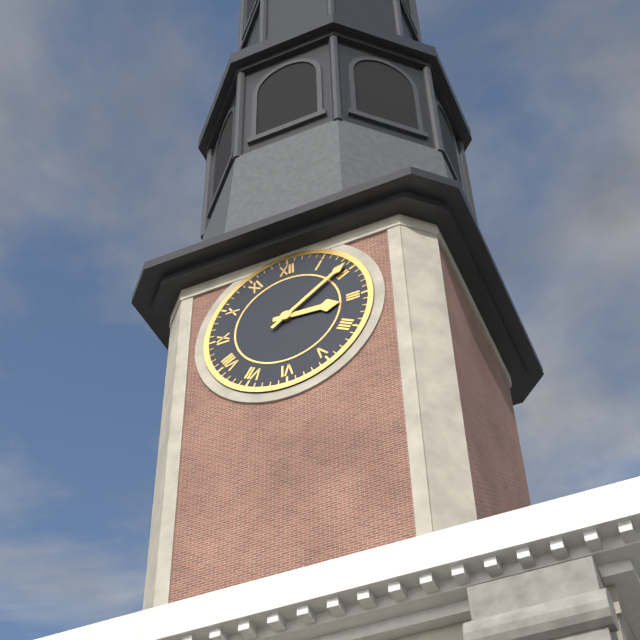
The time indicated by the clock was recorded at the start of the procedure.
3:09
